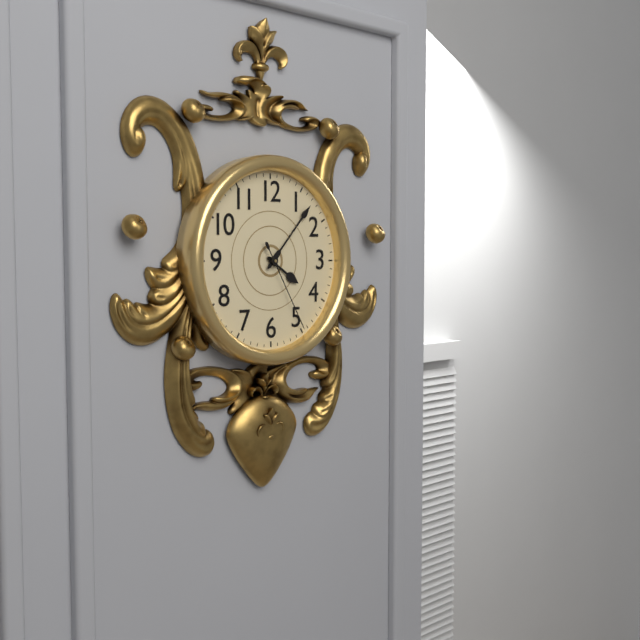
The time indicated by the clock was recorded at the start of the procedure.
4:07:25
